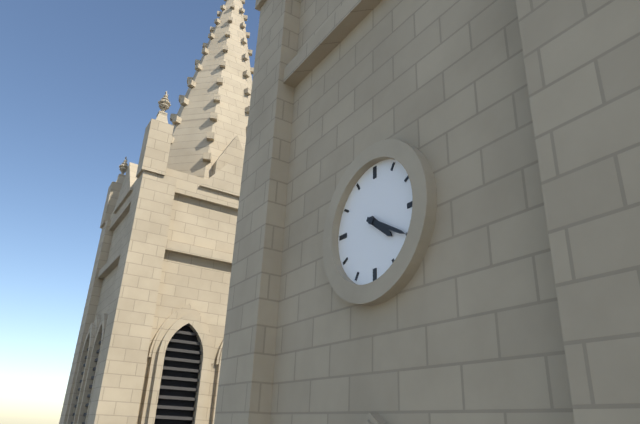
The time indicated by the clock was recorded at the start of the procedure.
4:20
